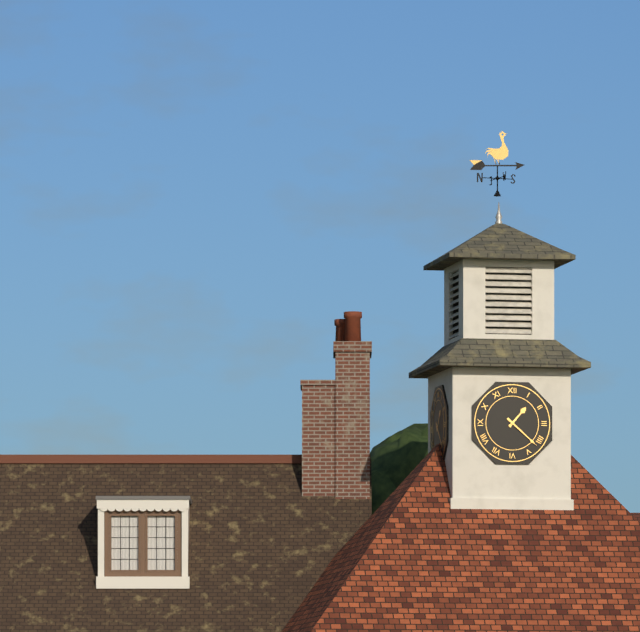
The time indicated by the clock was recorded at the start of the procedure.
1:22
